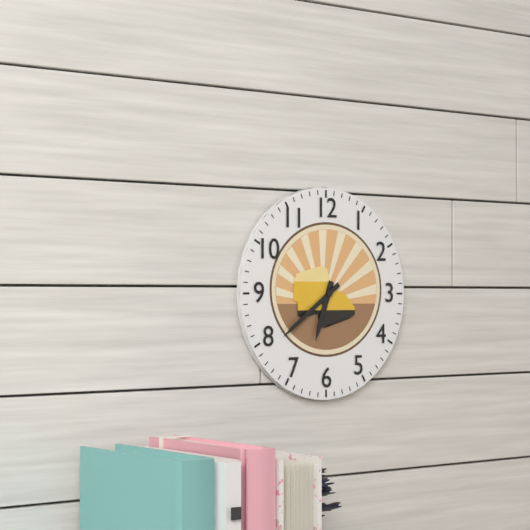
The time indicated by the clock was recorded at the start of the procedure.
6:39
